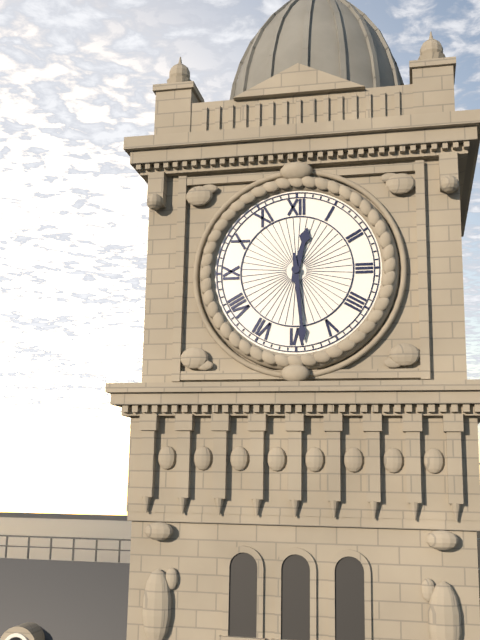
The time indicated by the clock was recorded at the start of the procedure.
12:29
